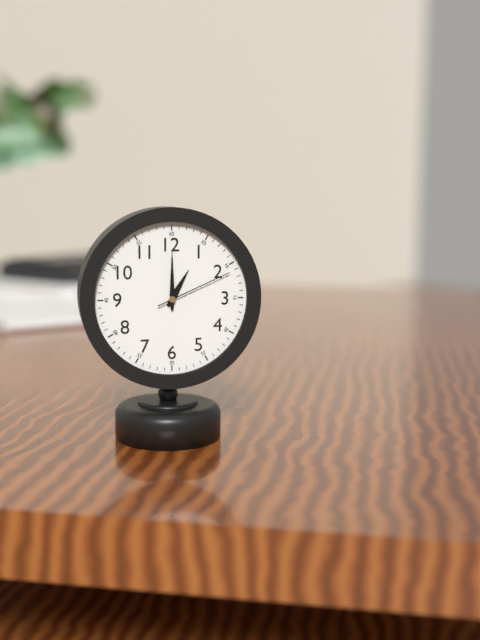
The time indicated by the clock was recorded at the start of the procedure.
1:00:11
